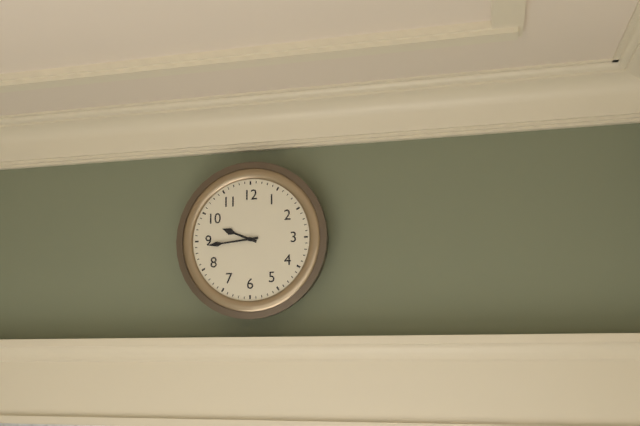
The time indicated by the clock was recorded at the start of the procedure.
9:44
